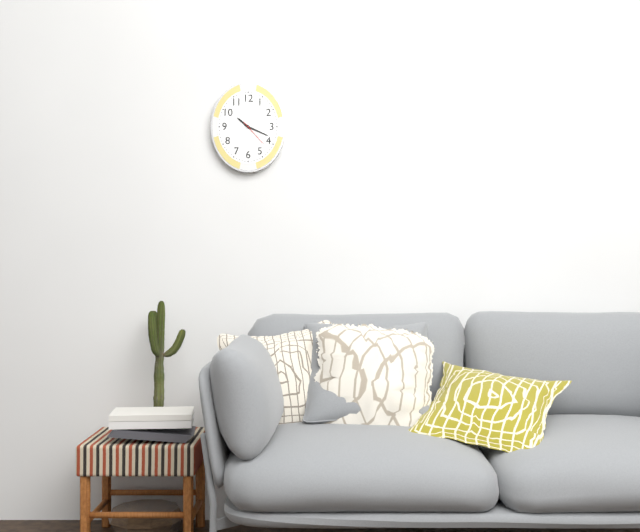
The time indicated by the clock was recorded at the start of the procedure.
10:19
